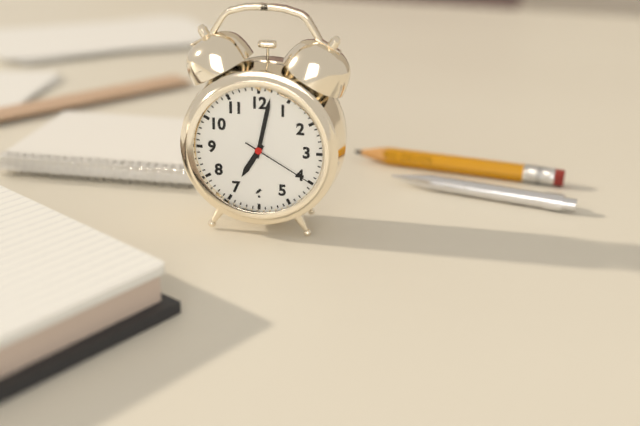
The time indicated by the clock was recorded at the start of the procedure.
7:02:20
